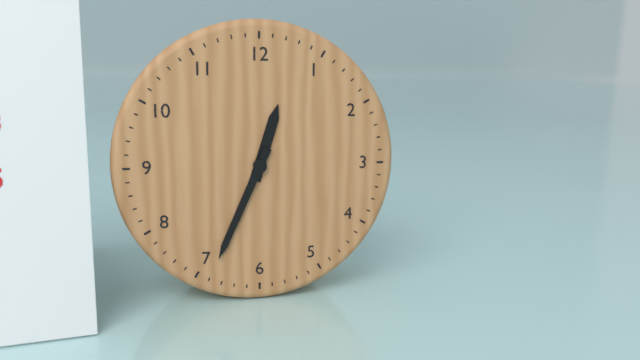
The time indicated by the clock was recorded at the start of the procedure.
12:34
